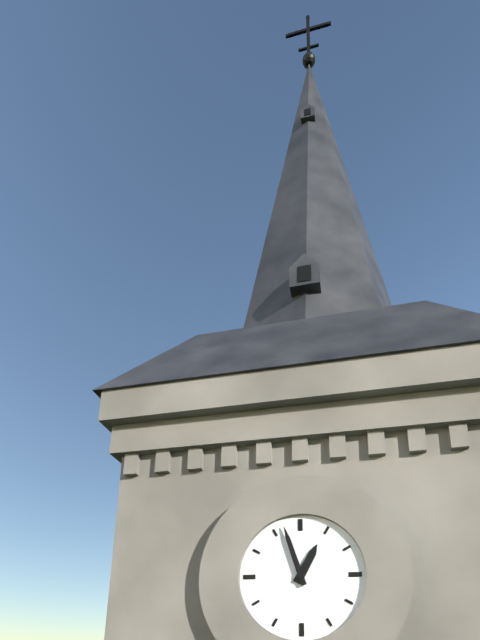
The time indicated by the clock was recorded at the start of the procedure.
12:57
